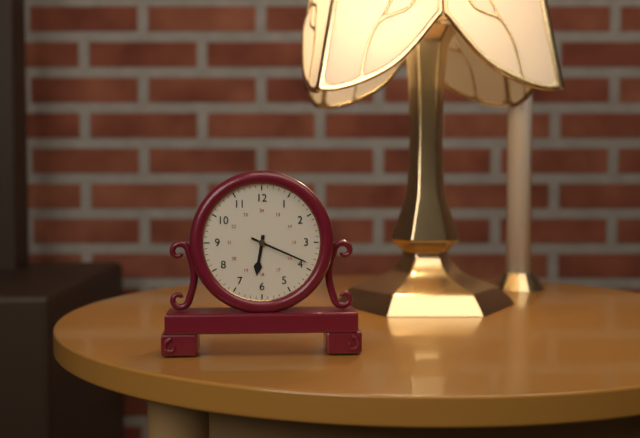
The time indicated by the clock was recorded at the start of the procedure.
6:19
